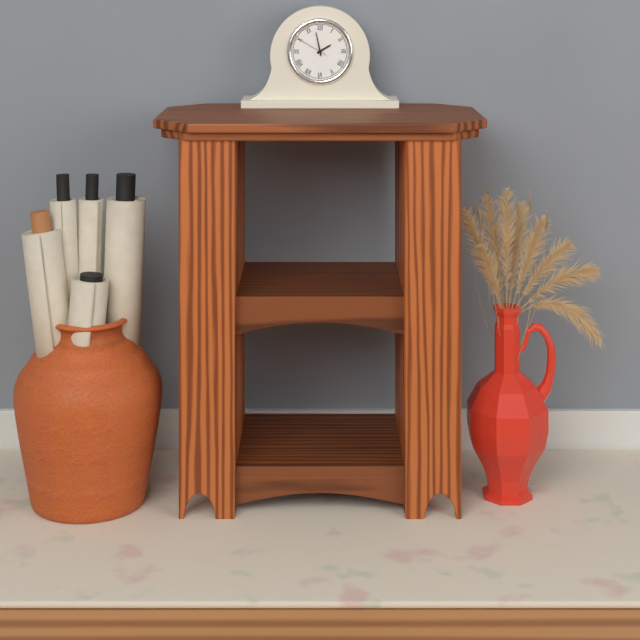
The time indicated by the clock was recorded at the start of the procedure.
1:58
